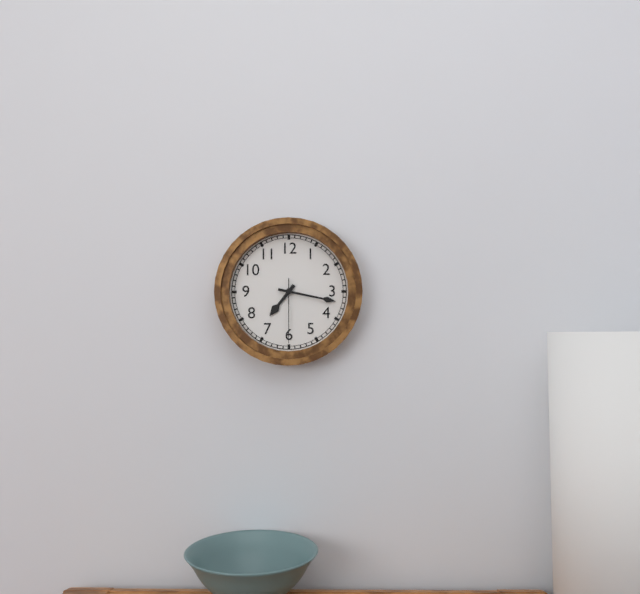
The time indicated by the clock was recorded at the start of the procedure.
7:17:30
